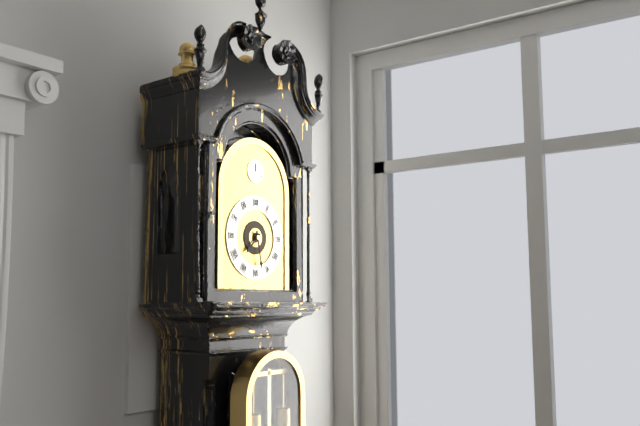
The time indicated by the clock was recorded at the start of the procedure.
7:28
